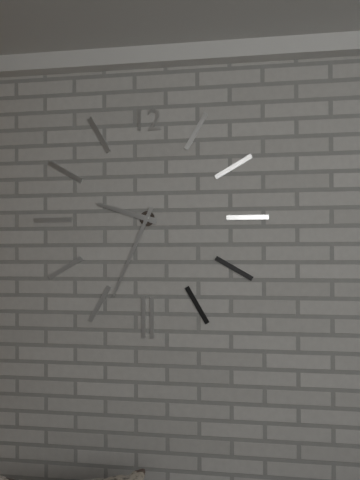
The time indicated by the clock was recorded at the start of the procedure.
9:34
